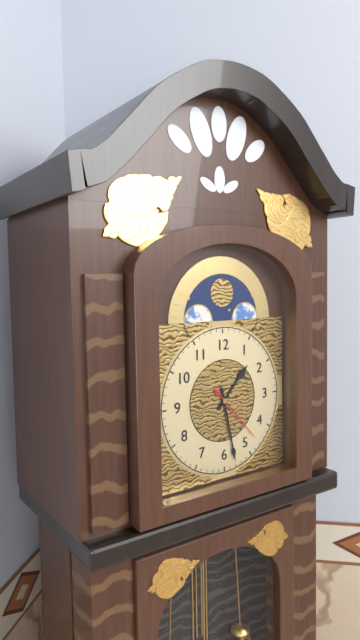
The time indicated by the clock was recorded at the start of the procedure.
1:28:23
